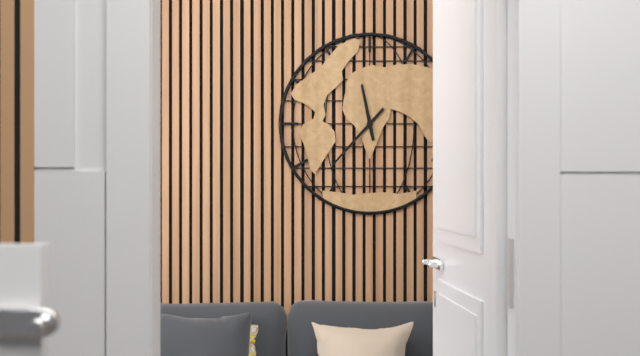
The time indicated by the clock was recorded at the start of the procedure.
11:37
